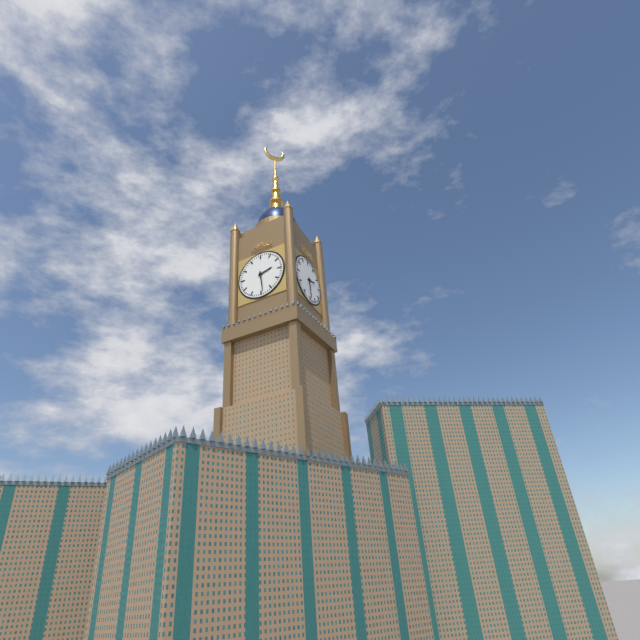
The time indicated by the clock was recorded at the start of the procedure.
2:29
